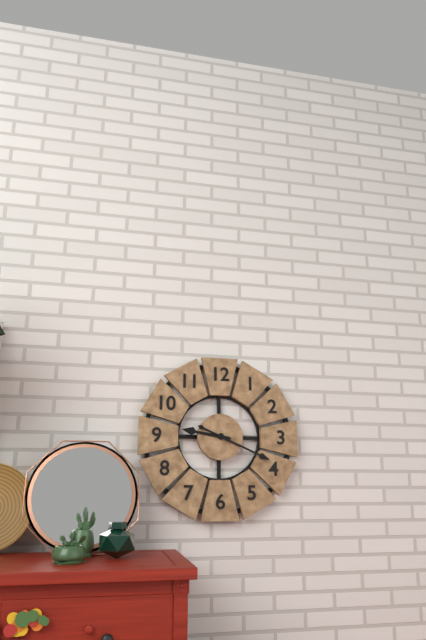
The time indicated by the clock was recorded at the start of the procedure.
9:19
